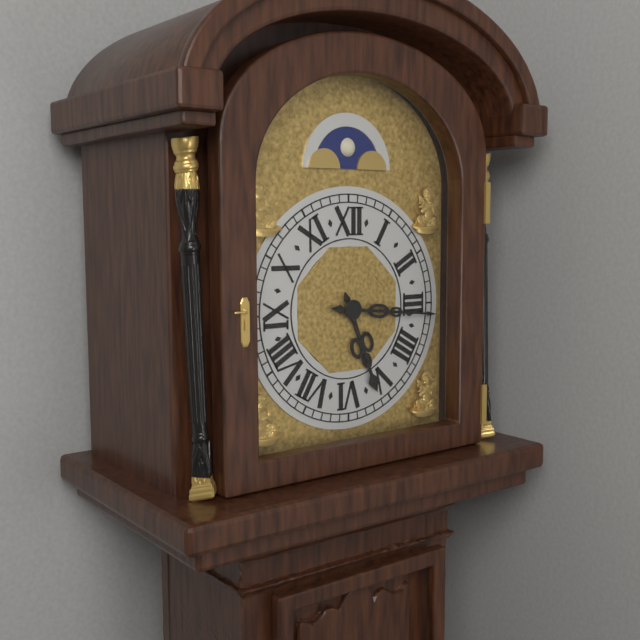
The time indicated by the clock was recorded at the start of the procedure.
5:16
